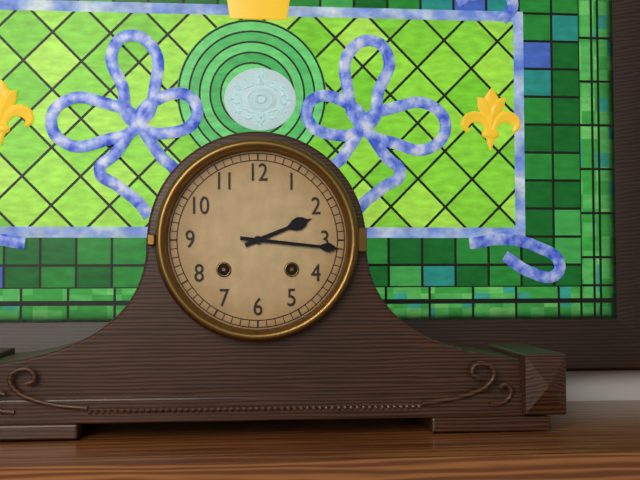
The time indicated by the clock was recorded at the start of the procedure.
2:16
